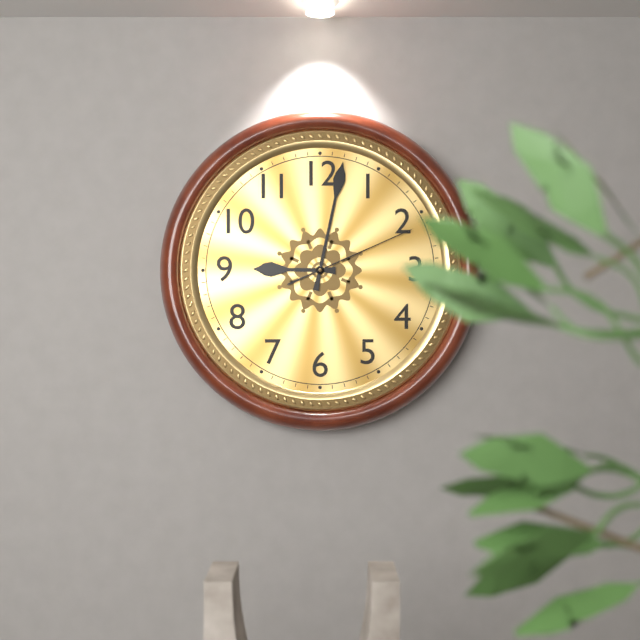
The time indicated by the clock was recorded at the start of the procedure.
9:02:11
